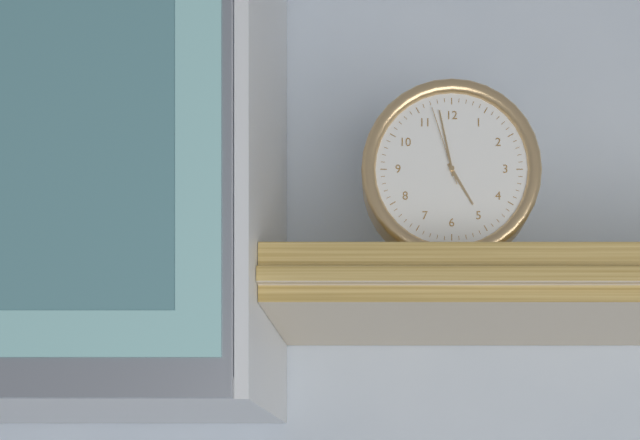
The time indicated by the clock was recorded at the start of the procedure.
4:58:57
